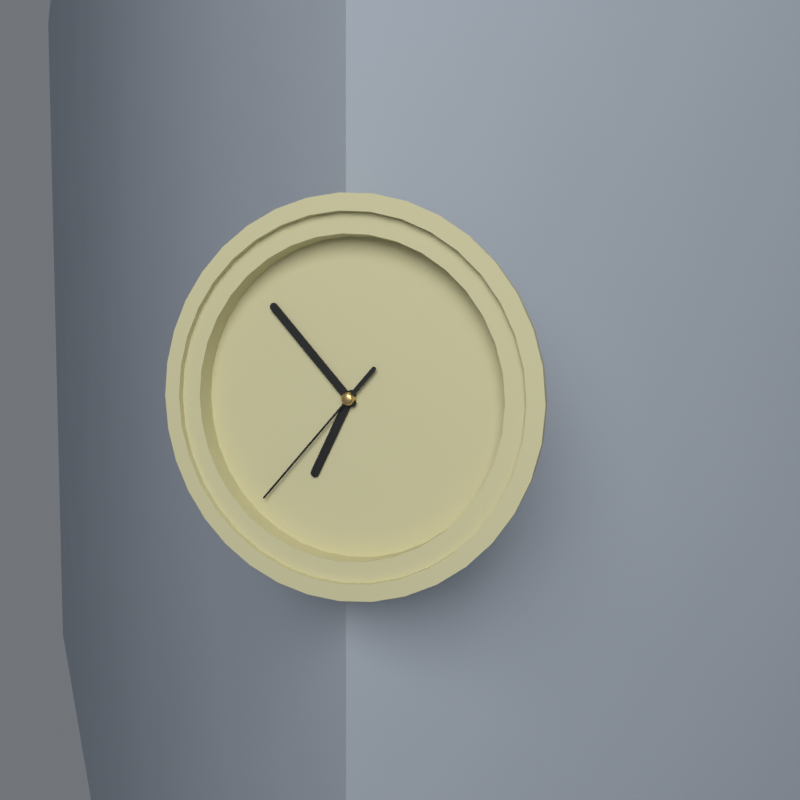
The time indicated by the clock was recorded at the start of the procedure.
6:53:37
